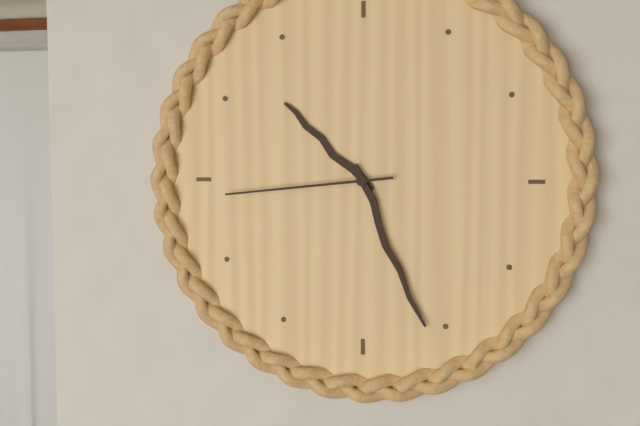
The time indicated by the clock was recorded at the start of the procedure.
10:26:44
